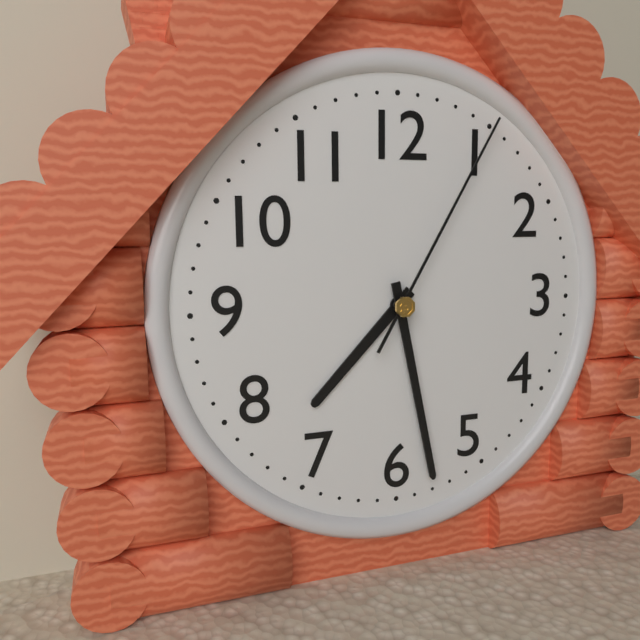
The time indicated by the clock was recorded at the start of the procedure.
7:28:05
